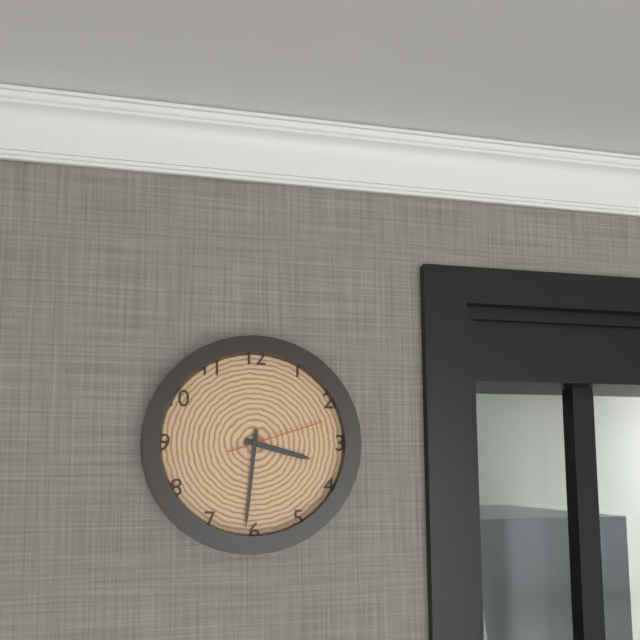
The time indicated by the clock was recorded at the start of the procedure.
3:31:12
